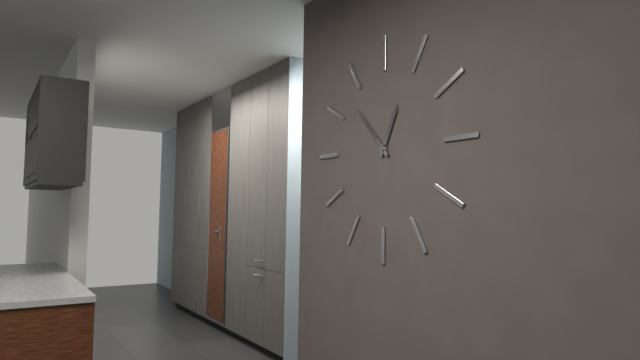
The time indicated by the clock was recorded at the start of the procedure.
12:53
